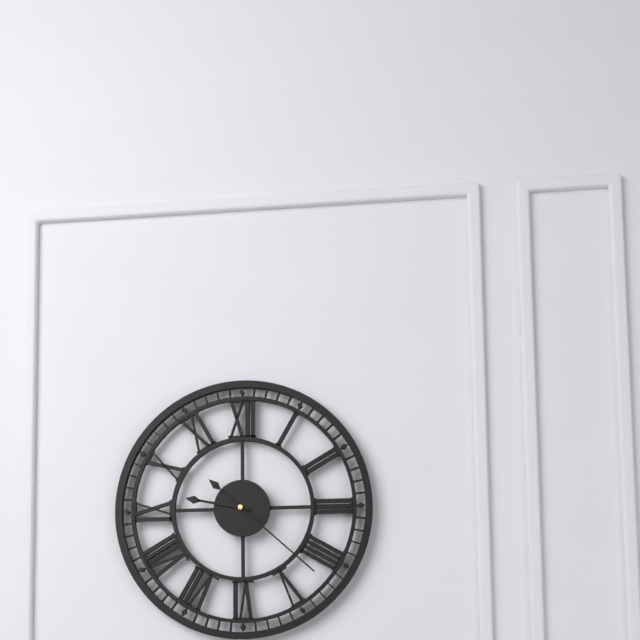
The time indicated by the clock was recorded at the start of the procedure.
9:22
